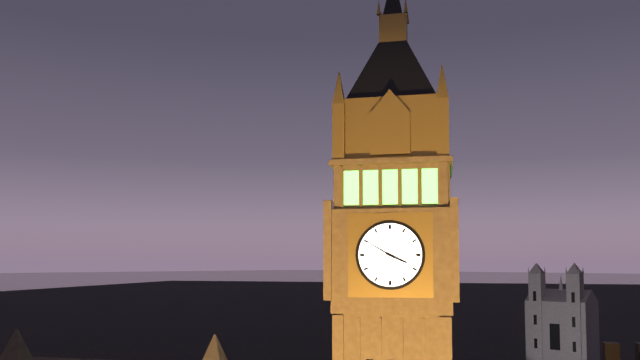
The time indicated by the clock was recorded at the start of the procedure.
3:50
